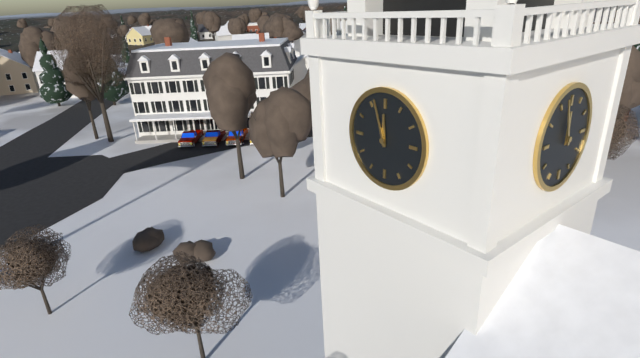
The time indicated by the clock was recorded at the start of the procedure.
11:57
